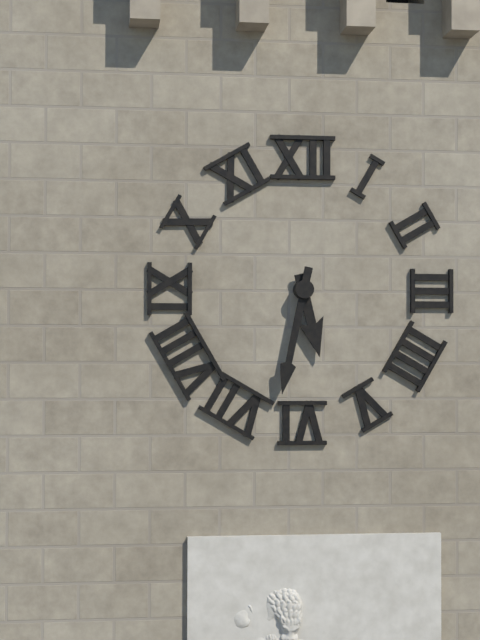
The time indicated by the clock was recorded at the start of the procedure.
5:32
